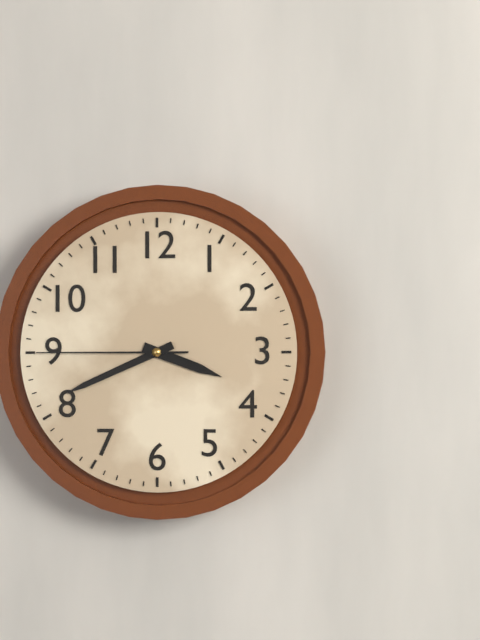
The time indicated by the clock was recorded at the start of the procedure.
3:41:45
